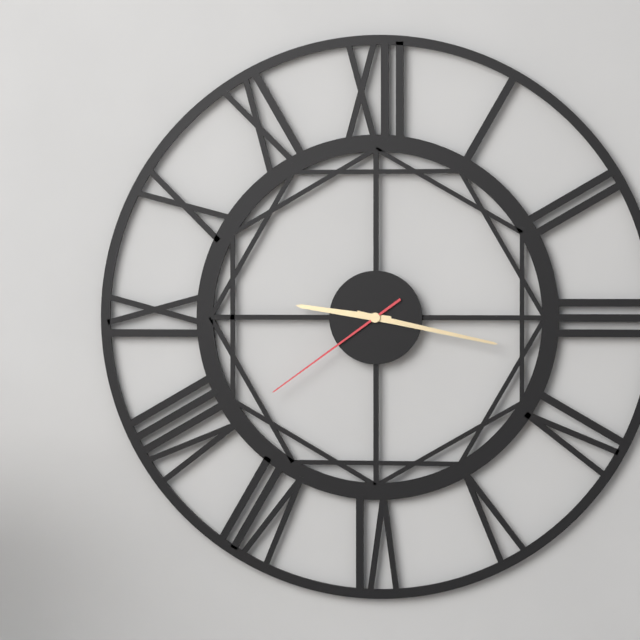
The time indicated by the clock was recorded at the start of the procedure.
9:17:39
